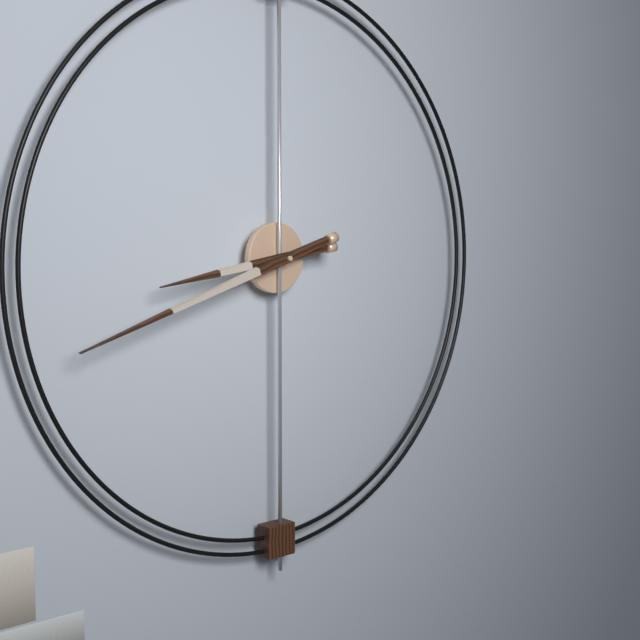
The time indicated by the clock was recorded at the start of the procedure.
8:42
